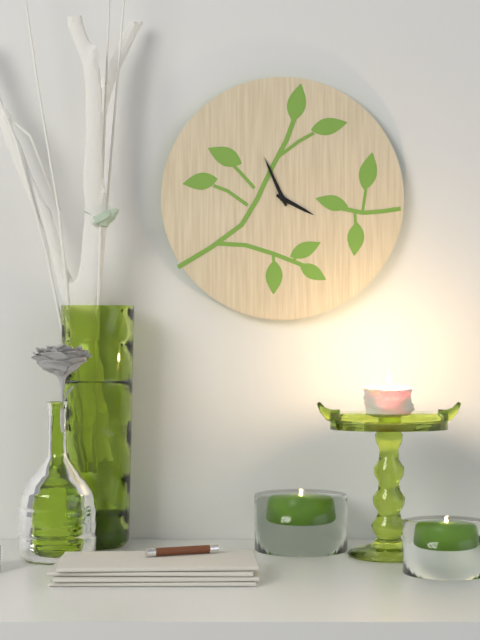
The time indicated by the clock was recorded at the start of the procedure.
3:56
